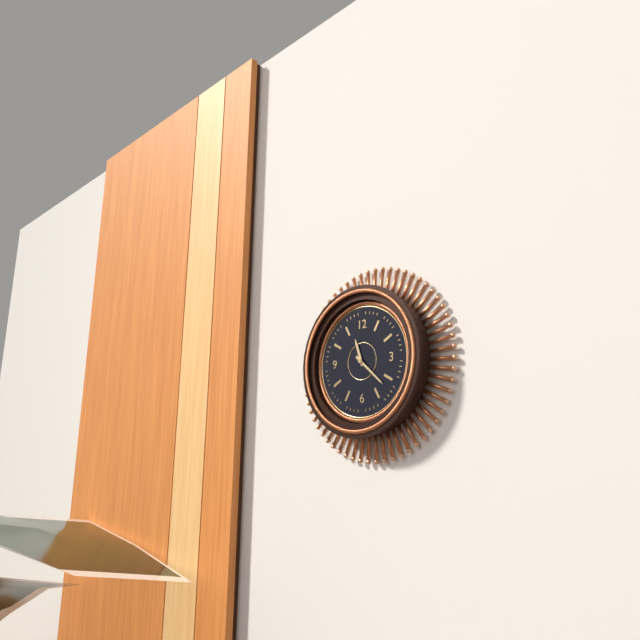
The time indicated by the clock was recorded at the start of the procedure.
11:22
